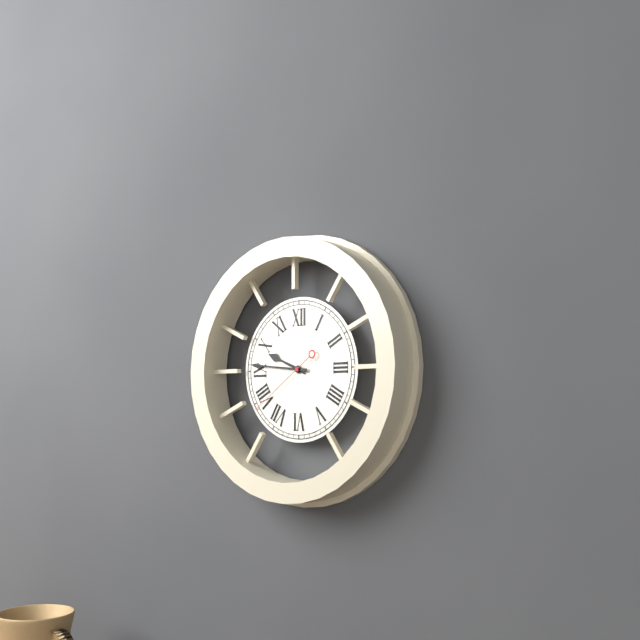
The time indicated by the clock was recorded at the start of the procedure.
9:46:39
